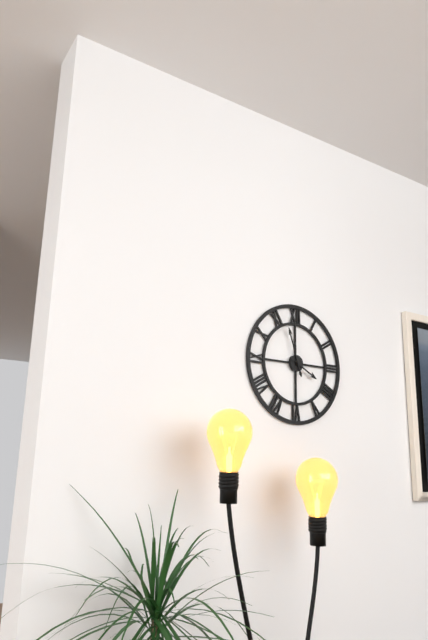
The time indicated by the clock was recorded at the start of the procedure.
3:57
